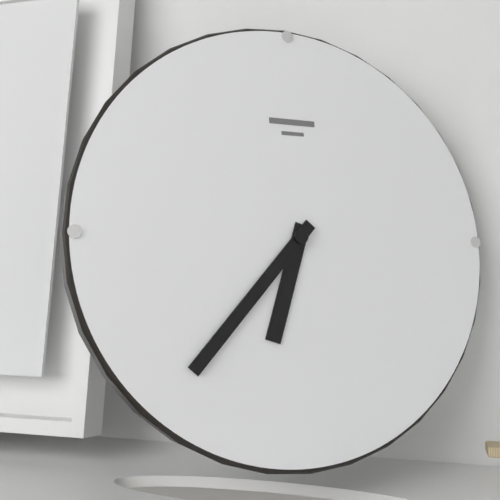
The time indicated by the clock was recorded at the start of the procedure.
6:37
